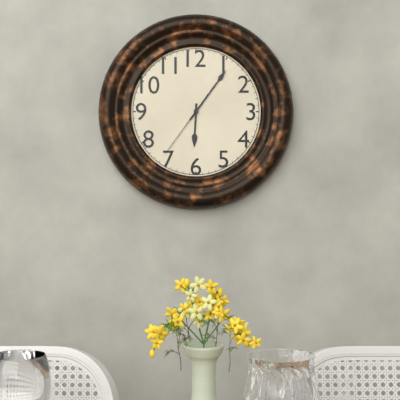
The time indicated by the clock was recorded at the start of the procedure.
6:06:36
